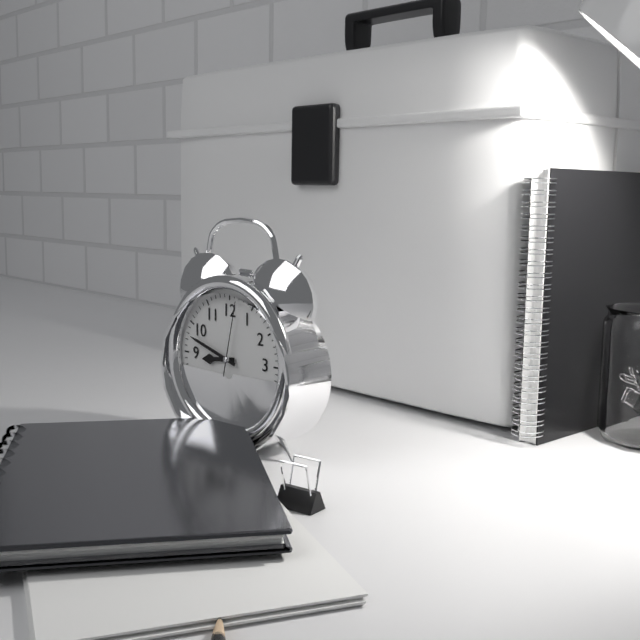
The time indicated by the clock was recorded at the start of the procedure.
8:48:02
